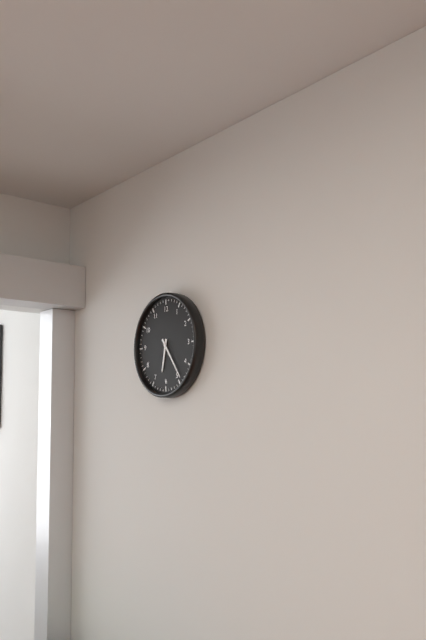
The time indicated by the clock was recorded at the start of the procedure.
6:24
